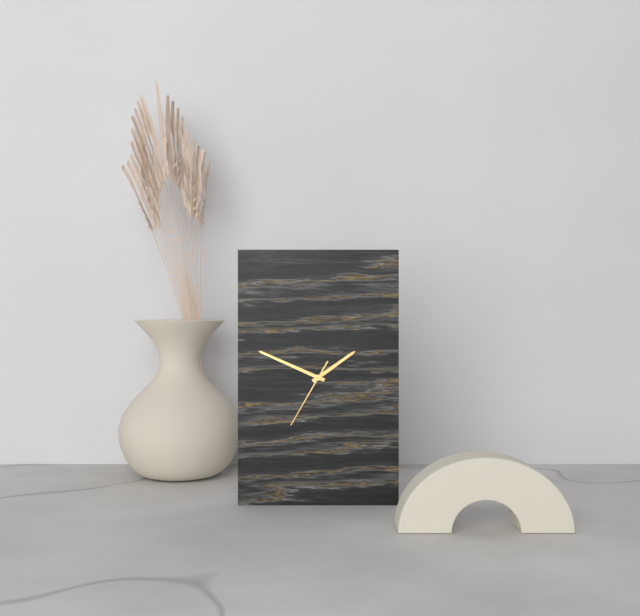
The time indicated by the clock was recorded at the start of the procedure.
1:49:35
